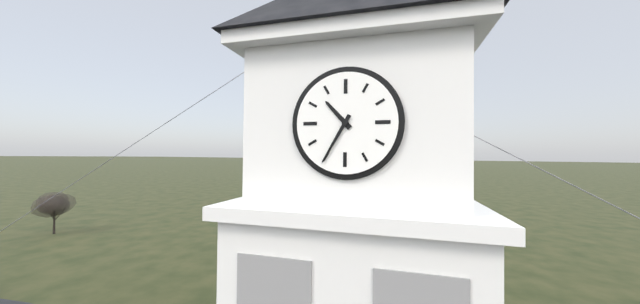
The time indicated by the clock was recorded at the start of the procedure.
10:35
